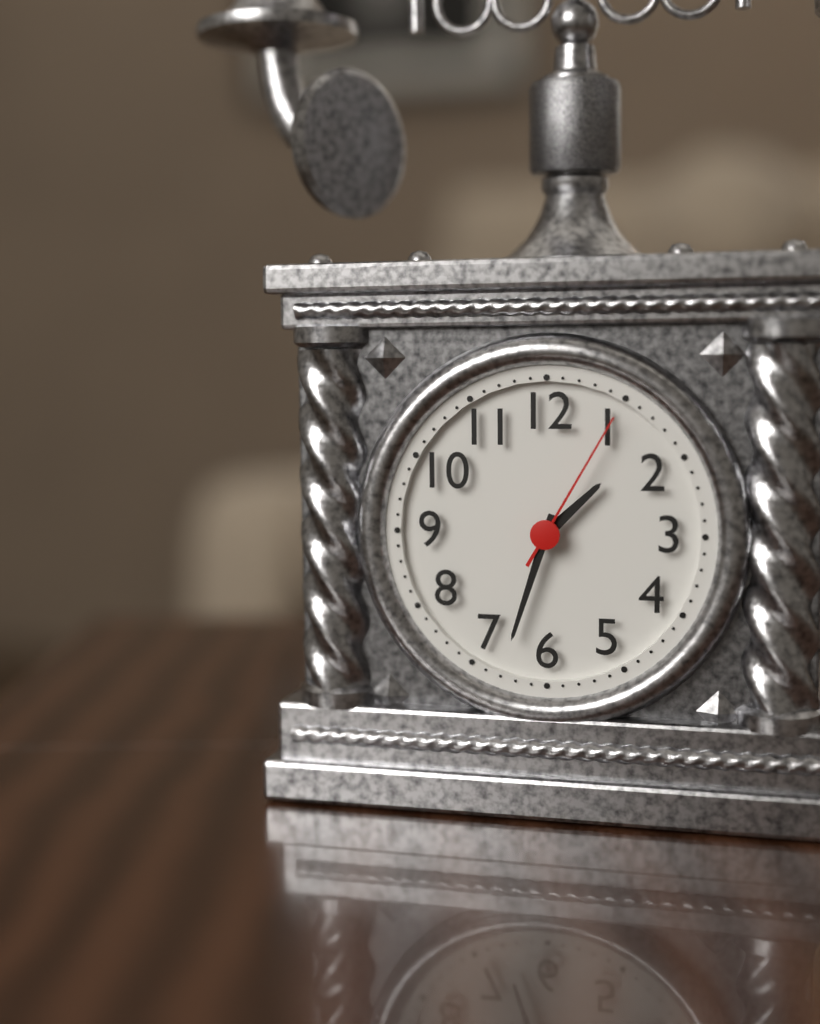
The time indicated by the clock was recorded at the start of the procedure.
1:33:05
